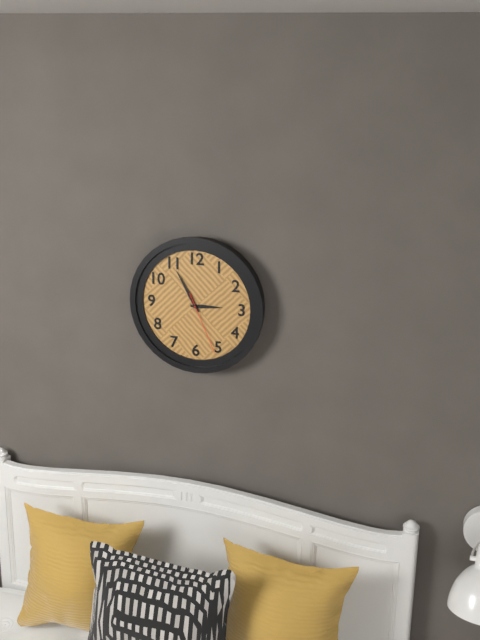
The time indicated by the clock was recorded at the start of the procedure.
2:55:26
